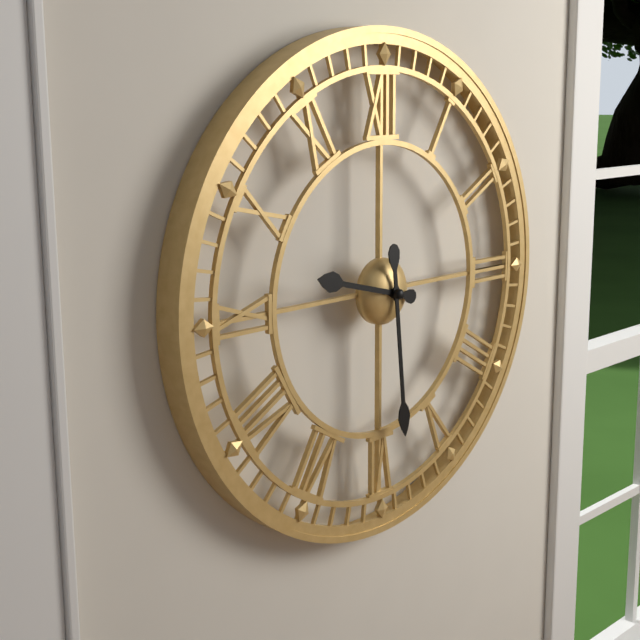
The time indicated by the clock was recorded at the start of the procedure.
9:29
